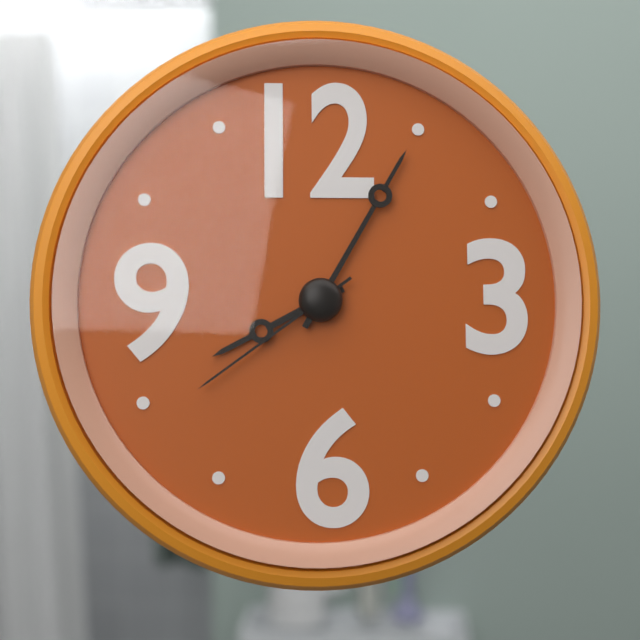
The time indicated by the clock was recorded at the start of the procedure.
8:05:39
